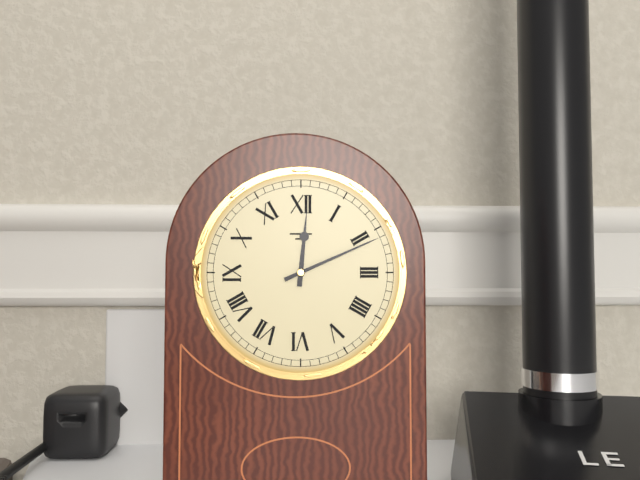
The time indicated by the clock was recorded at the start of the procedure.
12:11
